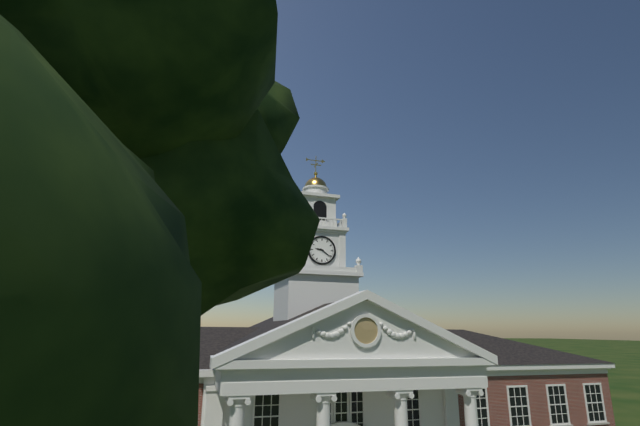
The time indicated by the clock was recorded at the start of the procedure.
9:21
